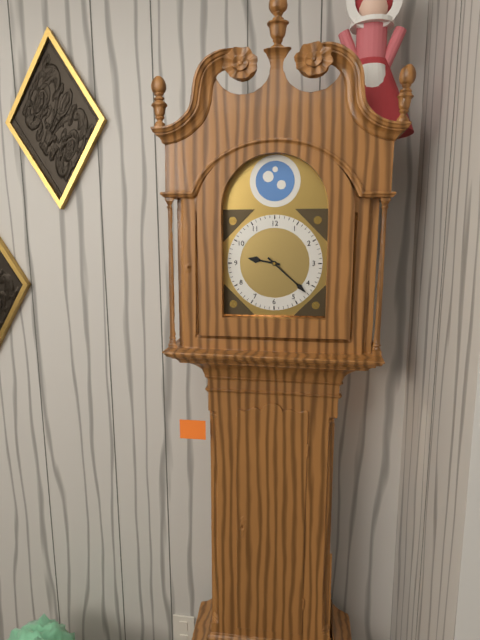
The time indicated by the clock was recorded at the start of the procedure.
9:22
